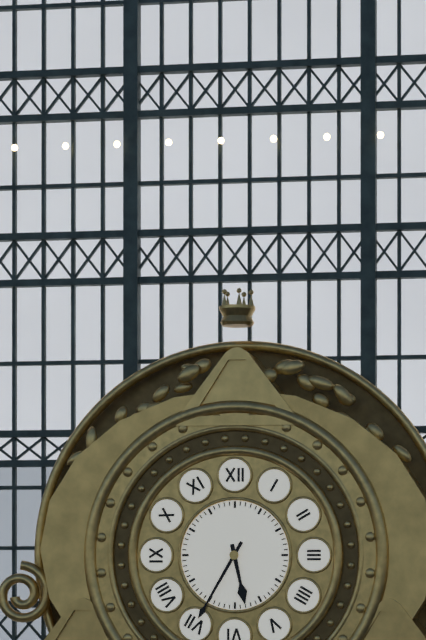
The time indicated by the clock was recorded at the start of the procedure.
5:35
